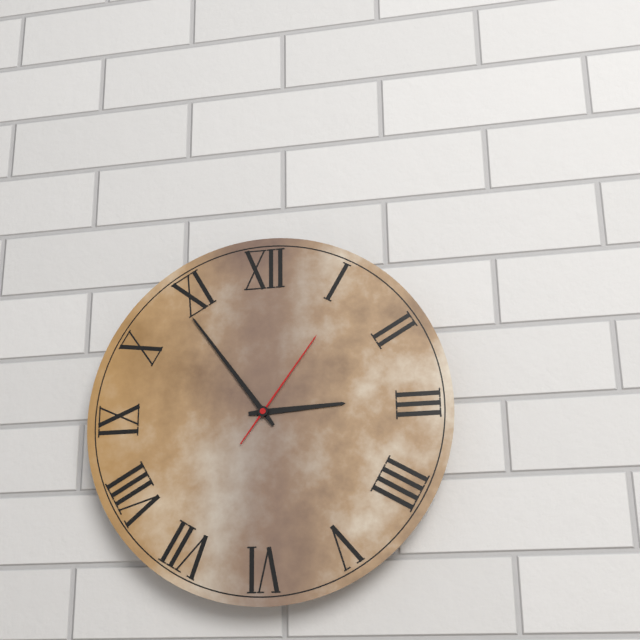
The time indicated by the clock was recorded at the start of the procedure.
2:54:06
